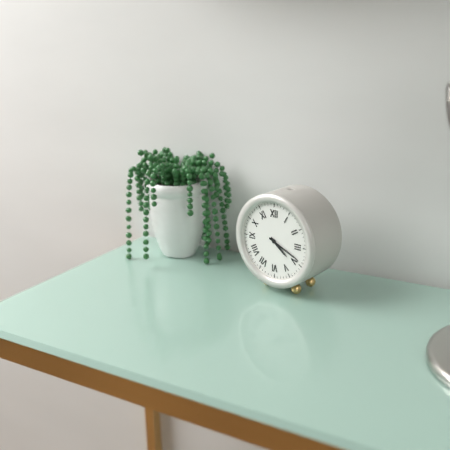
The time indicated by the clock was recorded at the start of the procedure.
4:19
